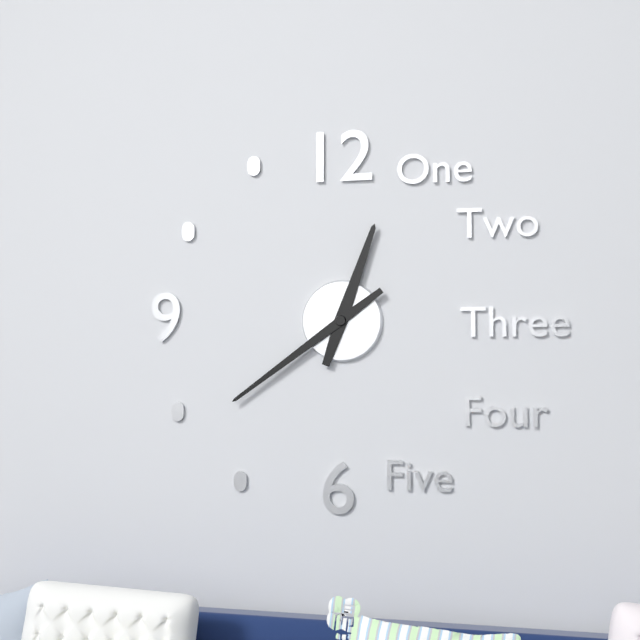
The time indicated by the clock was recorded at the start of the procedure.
12:39
